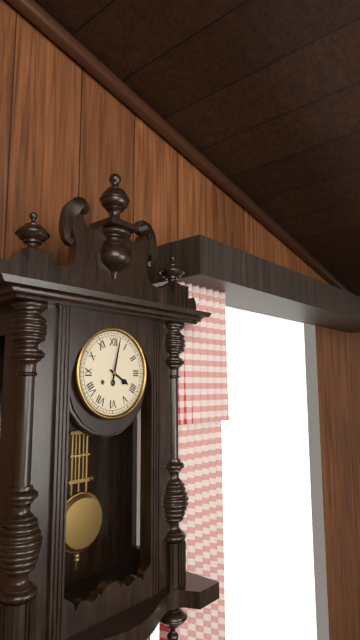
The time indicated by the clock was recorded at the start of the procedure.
4:02
